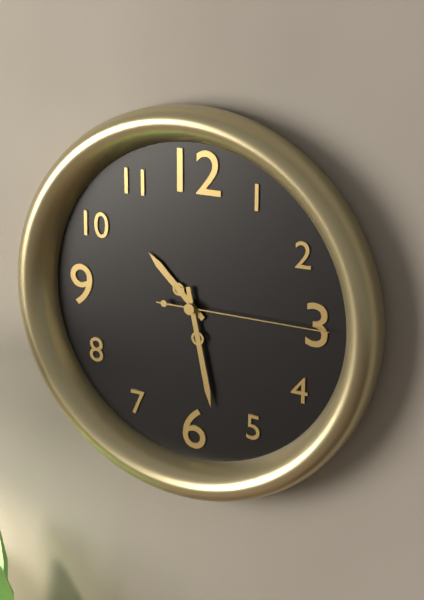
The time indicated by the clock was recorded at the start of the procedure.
10:28:15
